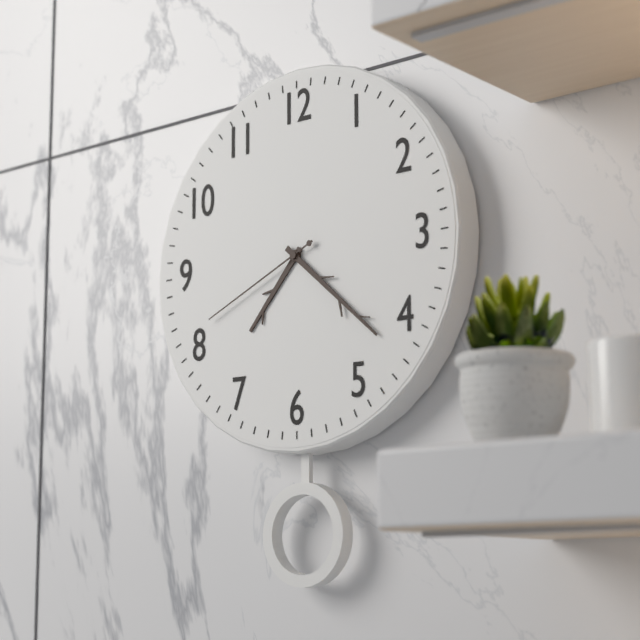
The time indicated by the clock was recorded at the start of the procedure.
7:22:41
